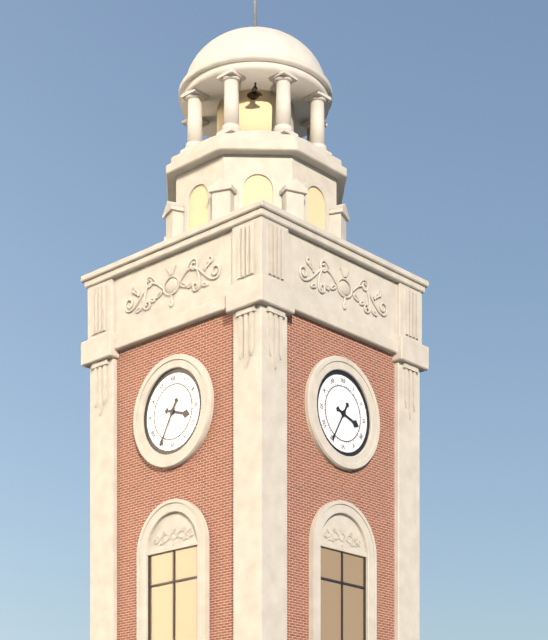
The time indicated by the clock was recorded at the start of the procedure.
3:35
